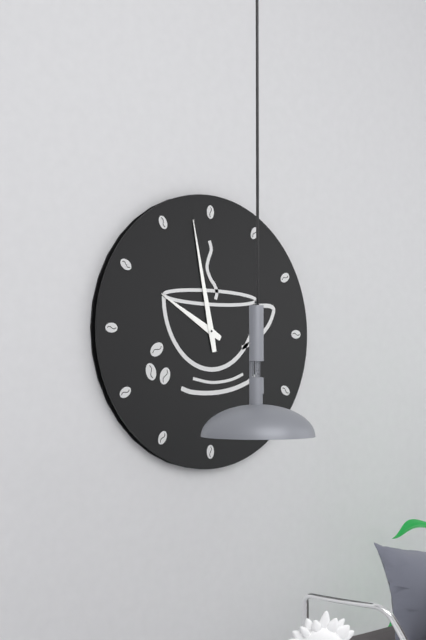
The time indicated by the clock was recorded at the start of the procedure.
9:58
